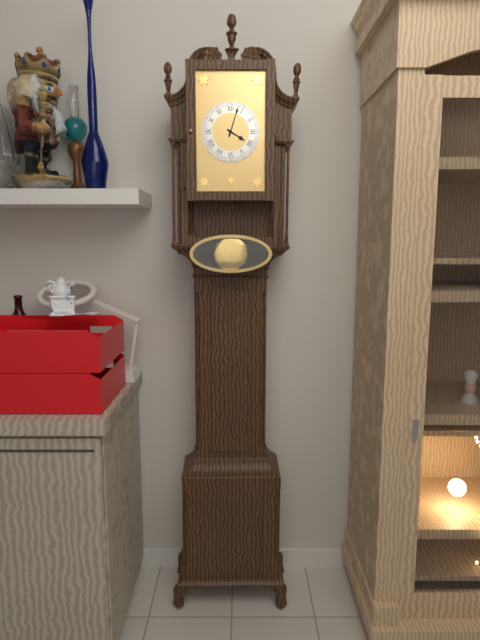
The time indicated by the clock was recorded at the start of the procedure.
4:03
